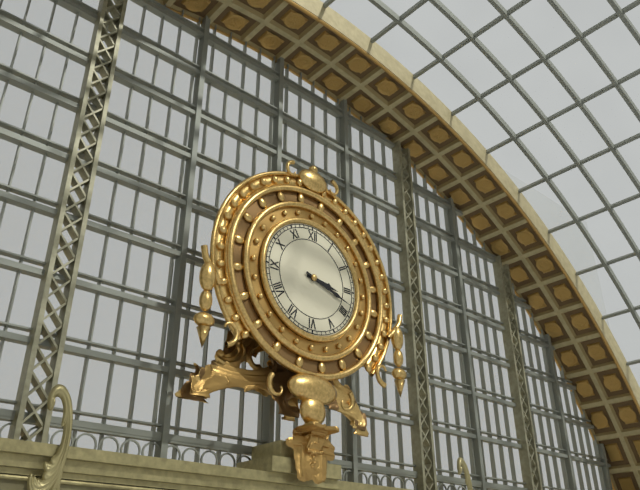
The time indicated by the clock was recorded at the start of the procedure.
3:18
